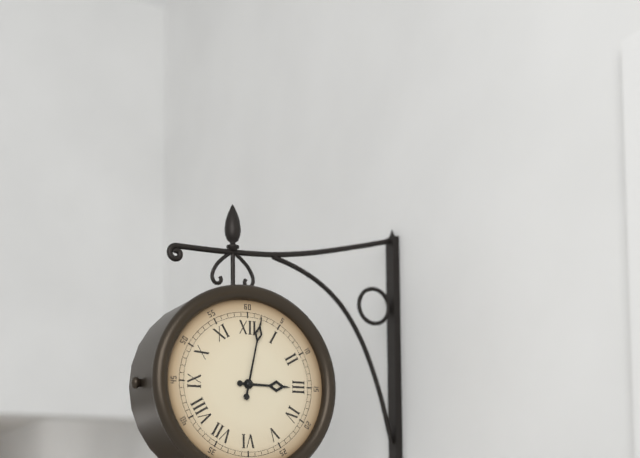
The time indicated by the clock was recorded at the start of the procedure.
3:02
